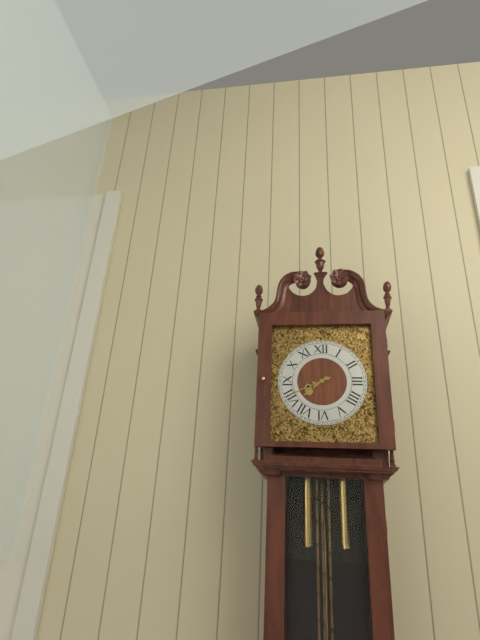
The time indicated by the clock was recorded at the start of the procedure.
7:41
